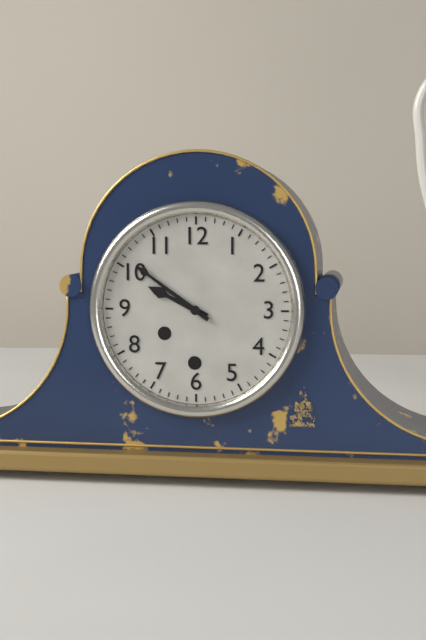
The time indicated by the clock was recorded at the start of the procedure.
9:51
